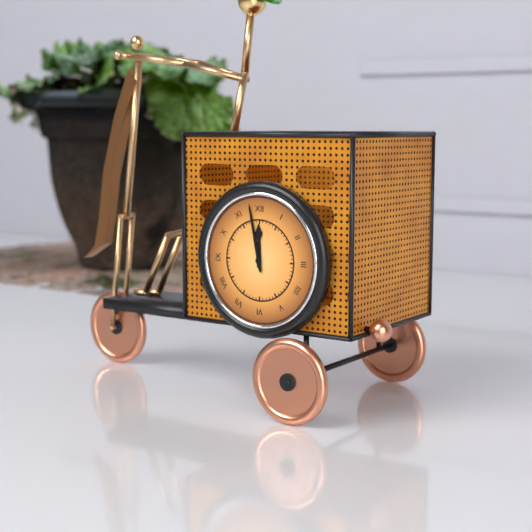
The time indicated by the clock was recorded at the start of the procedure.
11:58
